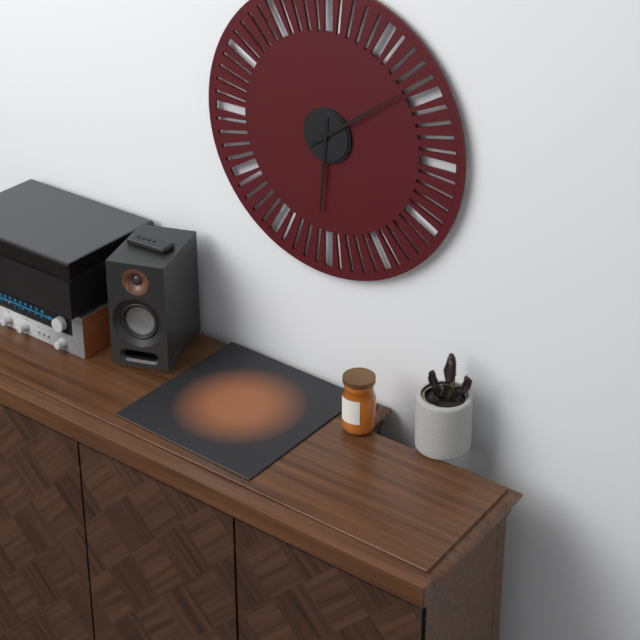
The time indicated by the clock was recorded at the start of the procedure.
6:09
